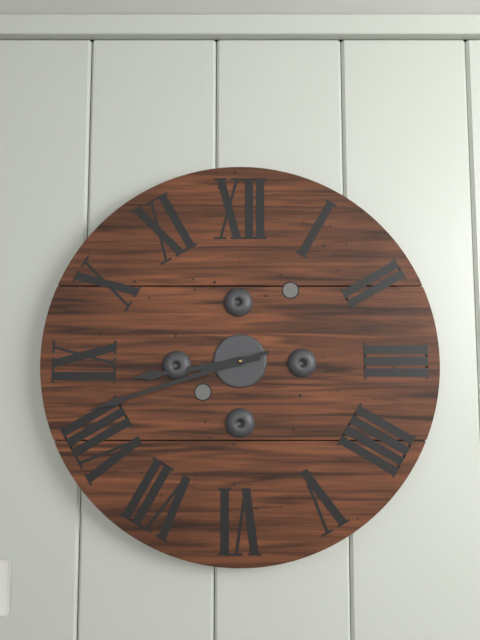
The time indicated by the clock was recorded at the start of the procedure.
8:42
